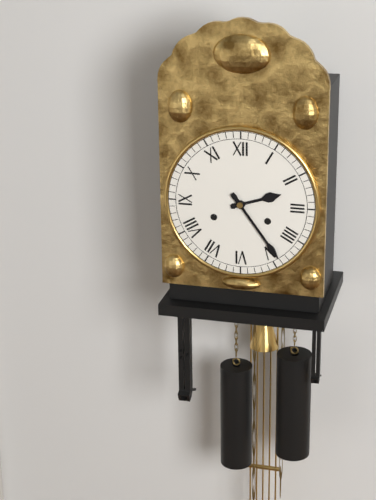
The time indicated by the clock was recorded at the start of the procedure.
2:24
